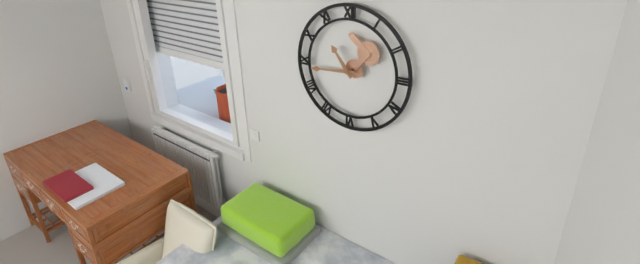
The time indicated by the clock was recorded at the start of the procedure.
10:44
